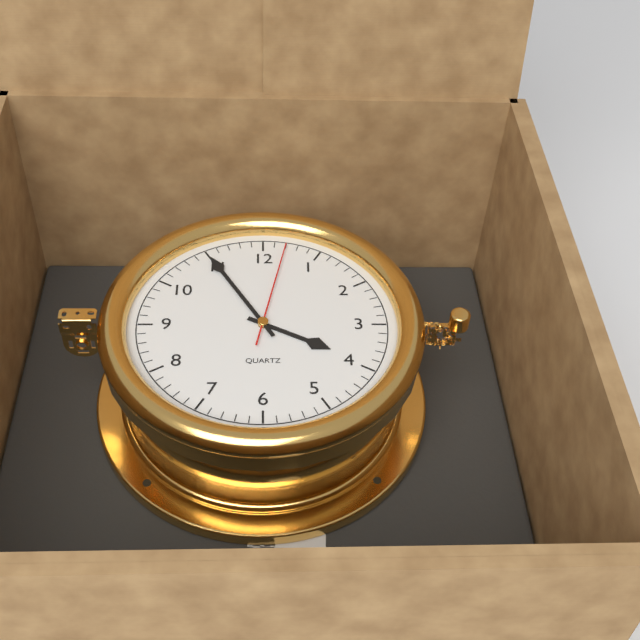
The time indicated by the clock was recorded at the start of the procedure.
3:55:02
